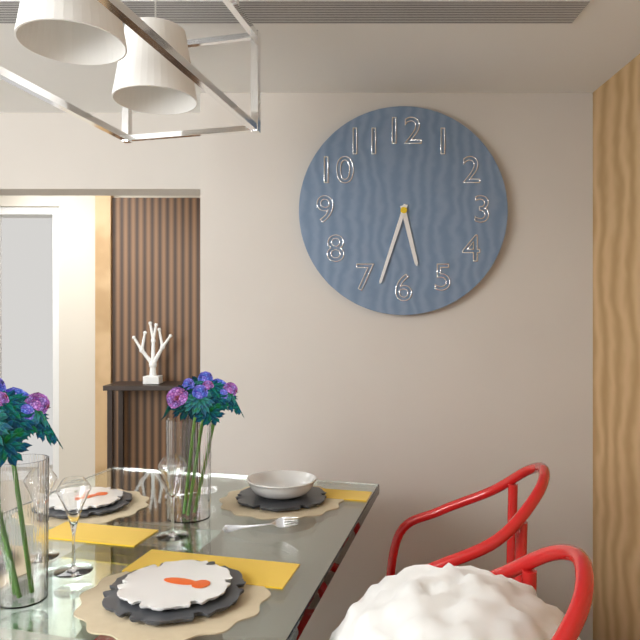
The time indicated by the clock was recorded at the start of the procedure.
5:33
